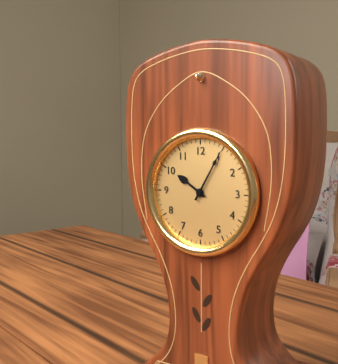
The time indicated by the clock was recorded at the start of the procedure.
10:05
